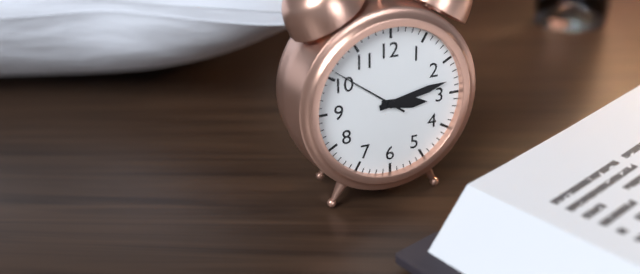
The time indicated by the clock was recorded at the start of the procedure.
3:13:51
